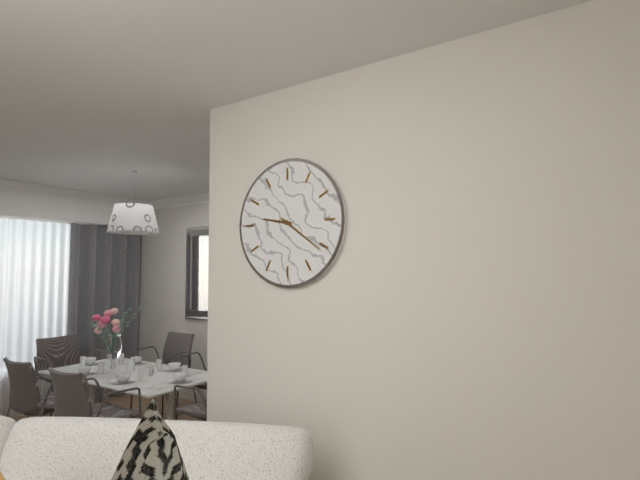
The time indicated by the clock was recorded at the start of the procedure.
9:21
